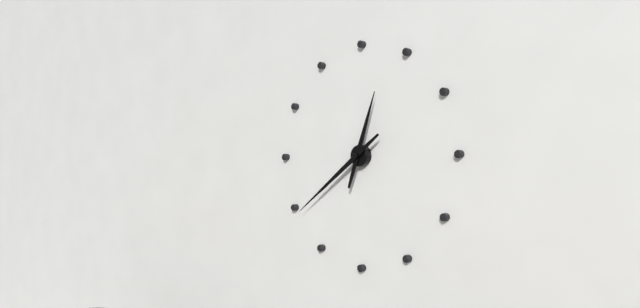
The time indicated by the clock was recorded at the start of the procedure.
12:39
